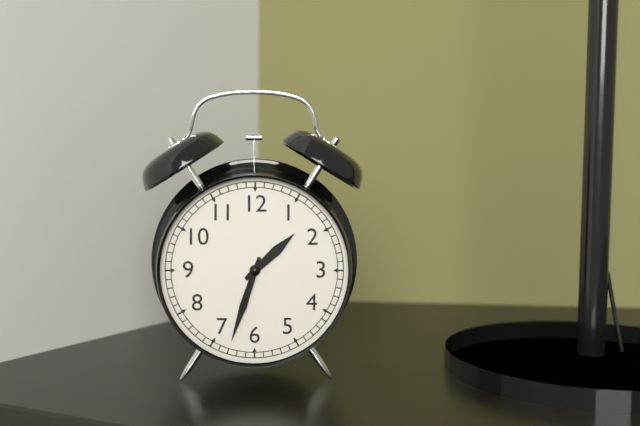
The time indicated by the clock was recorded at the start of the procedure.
1:33
